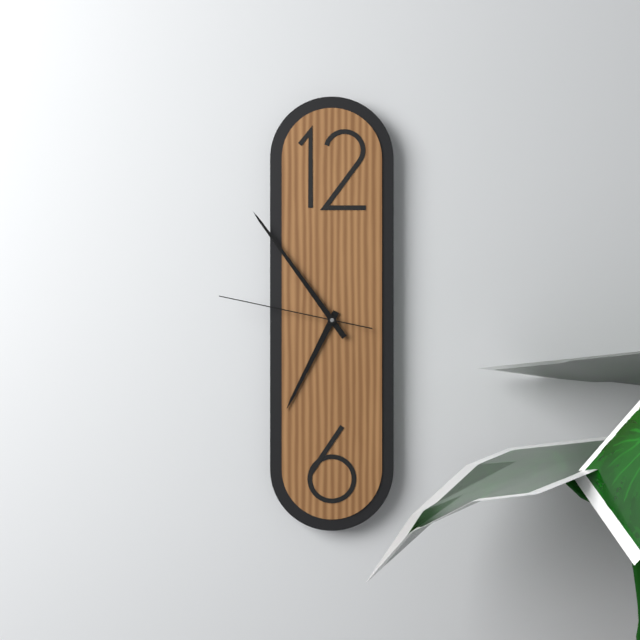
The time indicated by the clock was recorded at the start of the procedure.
6:54:47
